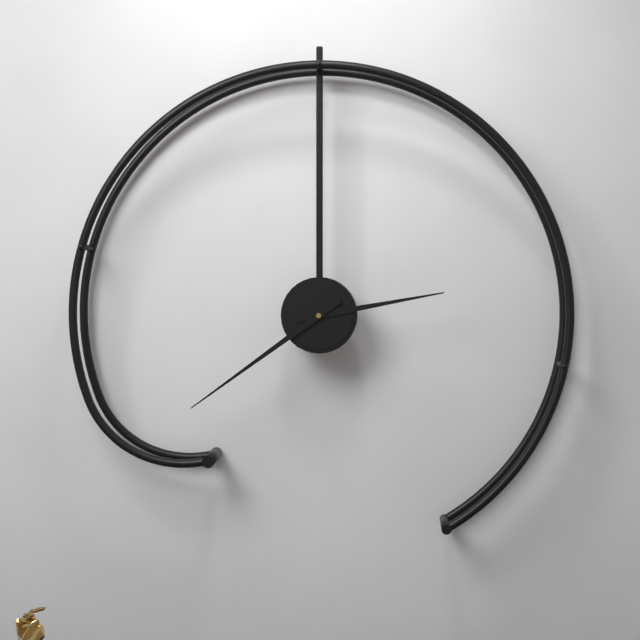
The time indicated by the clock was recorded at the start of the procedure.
2:39
